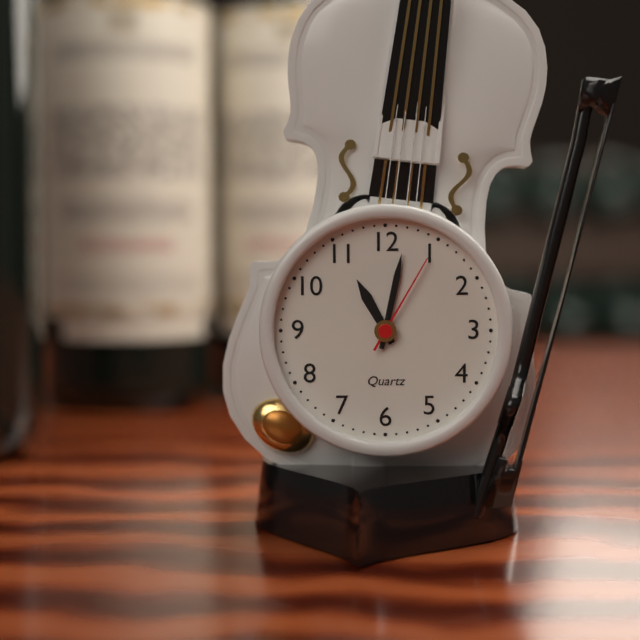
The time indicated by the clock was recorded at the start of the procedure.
11:02:05
